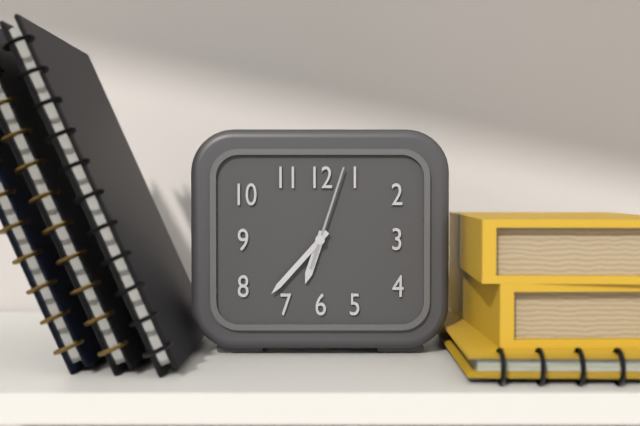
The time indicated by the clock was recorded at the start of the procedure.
6:37:03
